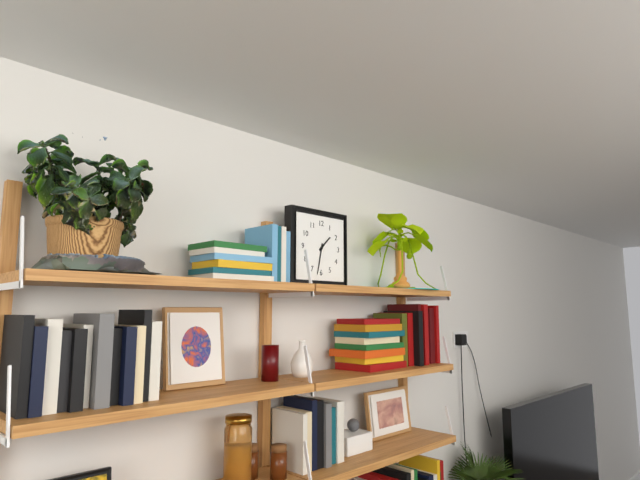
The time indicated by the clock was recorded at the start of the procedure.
1:32
